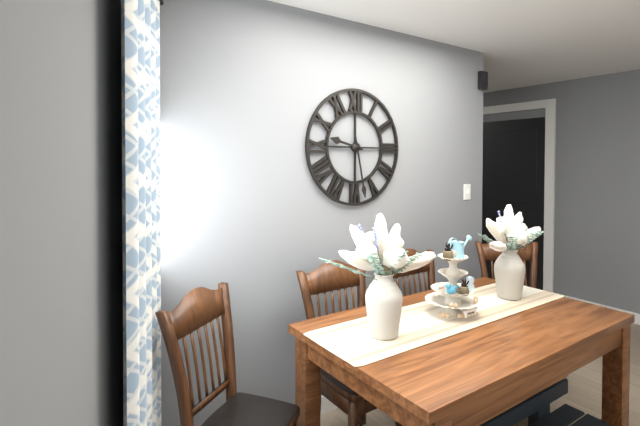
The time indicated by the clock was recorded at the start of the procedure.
9:28
